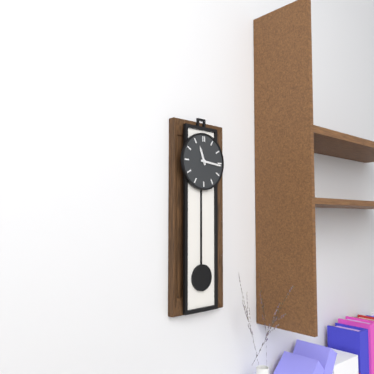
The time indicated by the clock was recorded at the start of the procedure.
11:16
